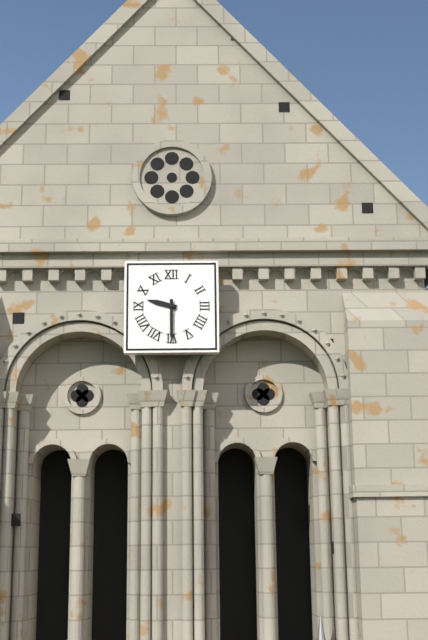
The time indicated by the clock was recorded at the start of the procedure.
9:30
